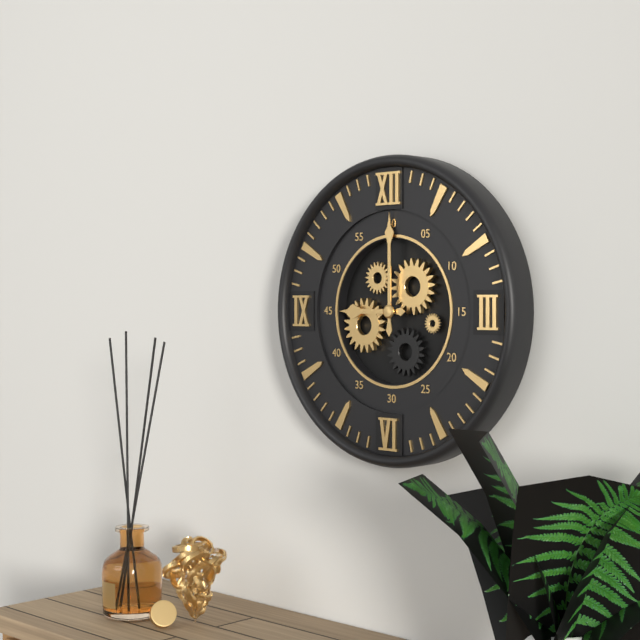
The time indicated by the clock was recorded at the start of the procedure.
9:00
